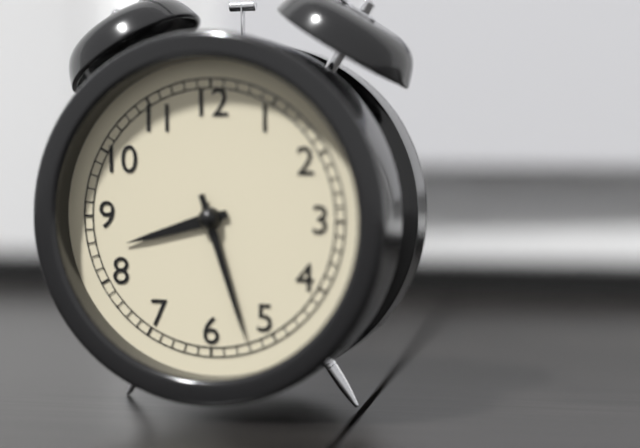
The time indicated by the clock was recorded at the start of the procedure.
8:27
